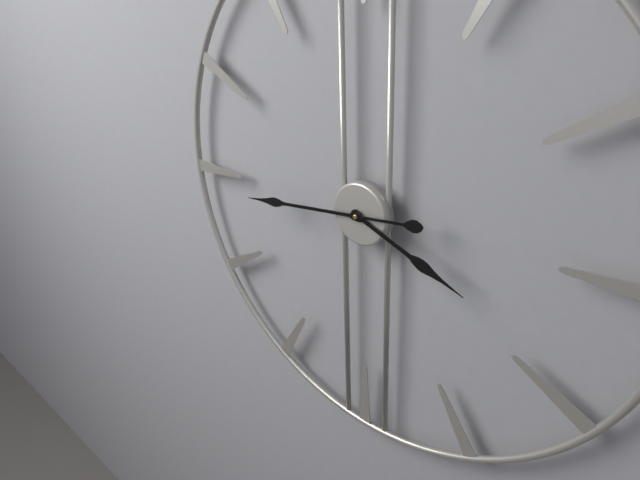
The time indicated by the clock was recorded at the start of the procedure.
3:44
